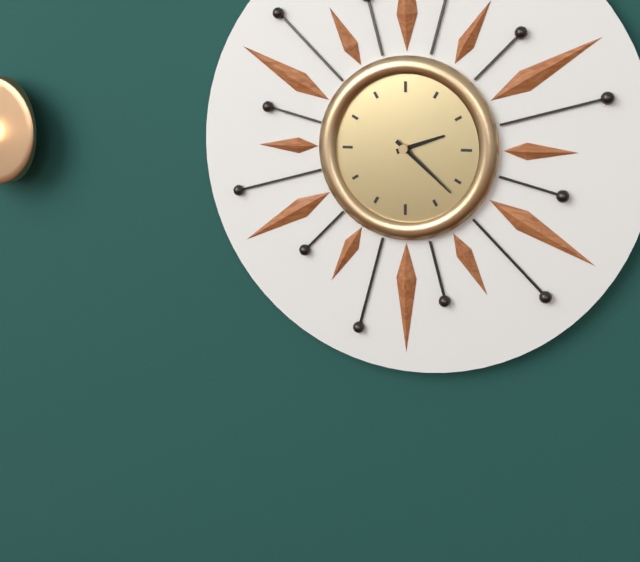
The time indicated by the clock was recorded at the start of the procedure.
2:22
